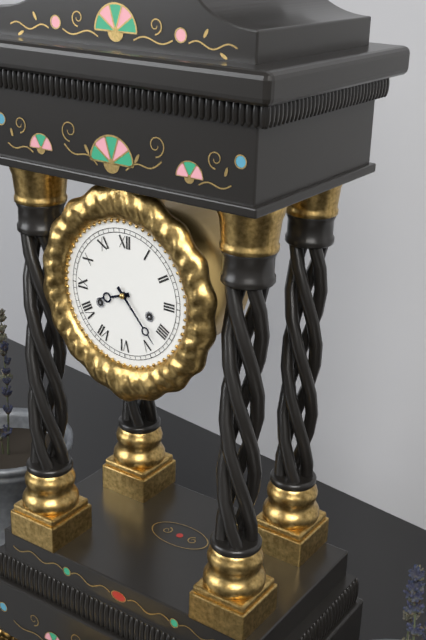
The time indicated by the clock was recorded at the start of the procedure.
8:23
